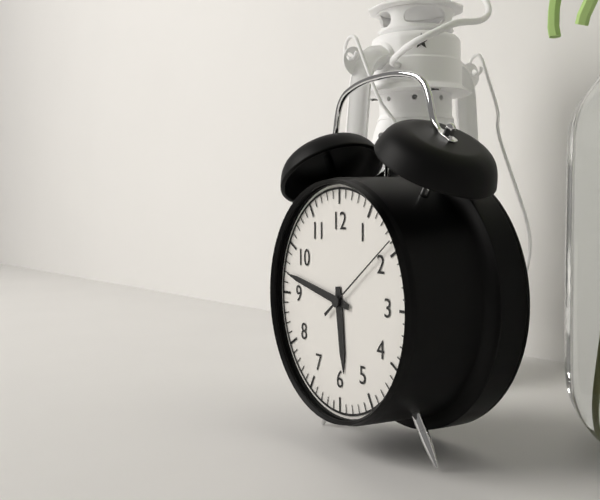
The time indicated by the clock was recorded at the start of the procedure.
5:47:09
